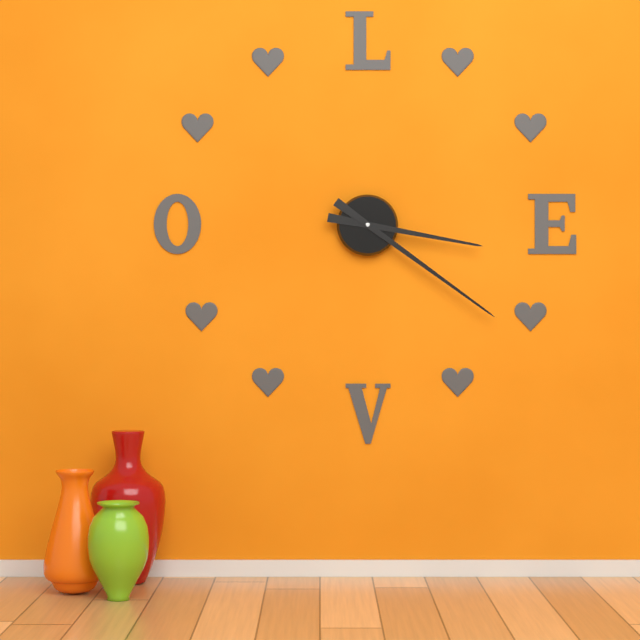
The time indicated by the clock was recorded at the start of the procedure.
3:21
